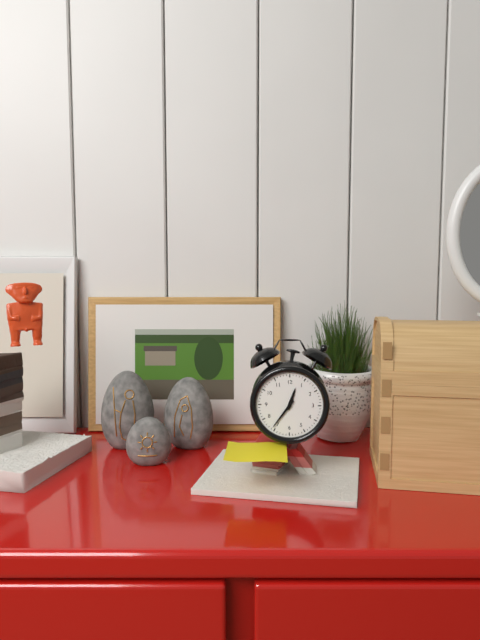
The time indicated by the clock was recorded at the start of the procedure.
12:36
